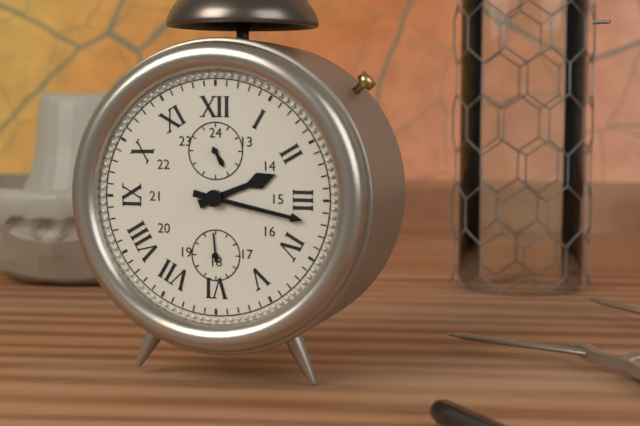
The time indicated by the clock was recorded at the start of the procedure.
2:17
